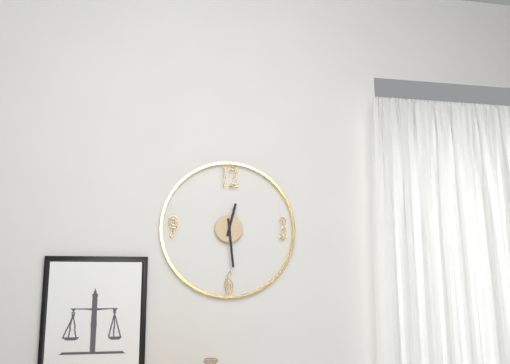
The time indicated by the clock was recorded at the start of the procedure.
12:29
